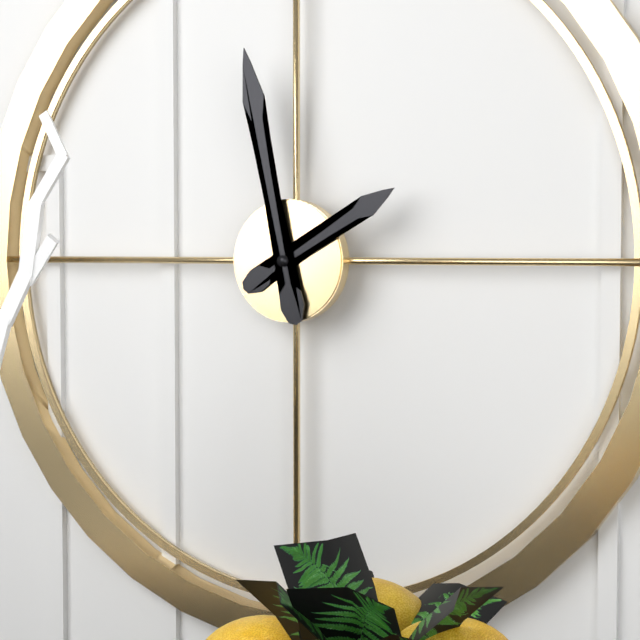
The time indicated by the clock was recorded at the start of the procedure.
1:58
